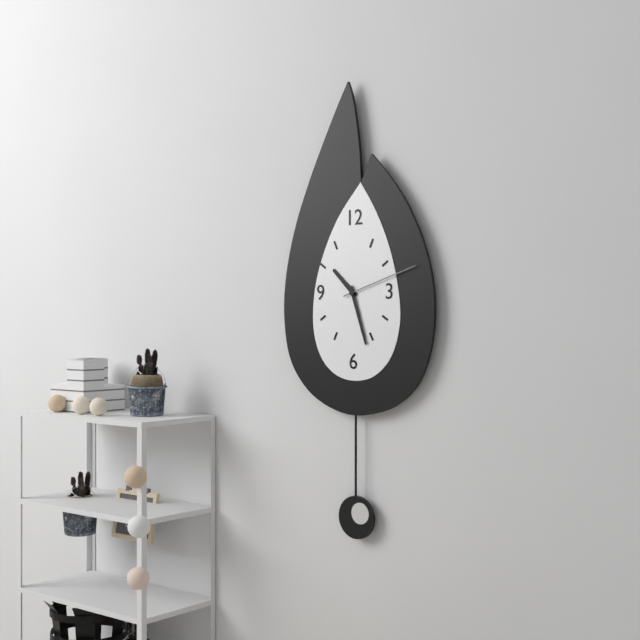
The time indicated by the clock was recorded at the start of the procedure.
10:27:12
